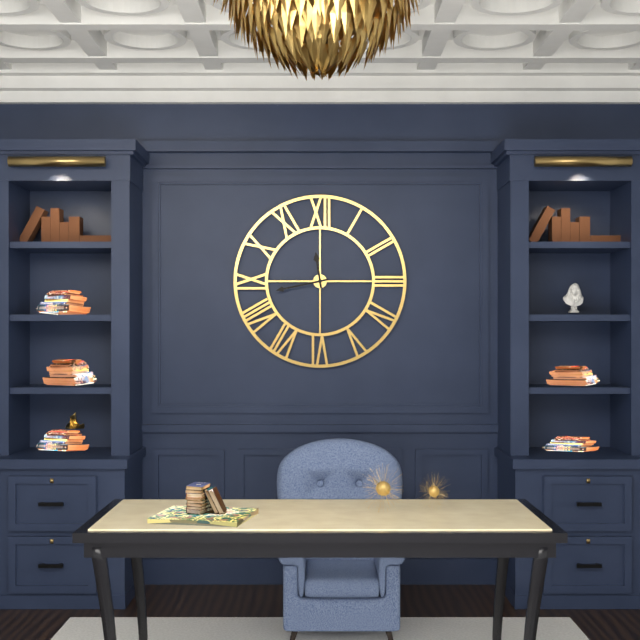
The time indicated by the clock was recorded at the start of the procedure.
11:43
